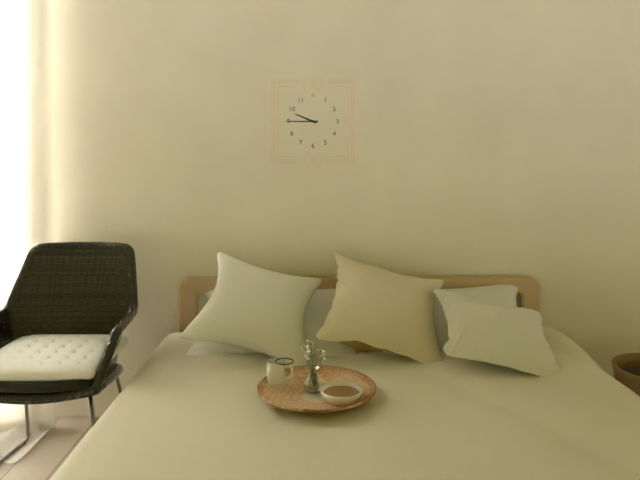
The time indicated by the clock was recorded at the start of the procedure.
9:45
